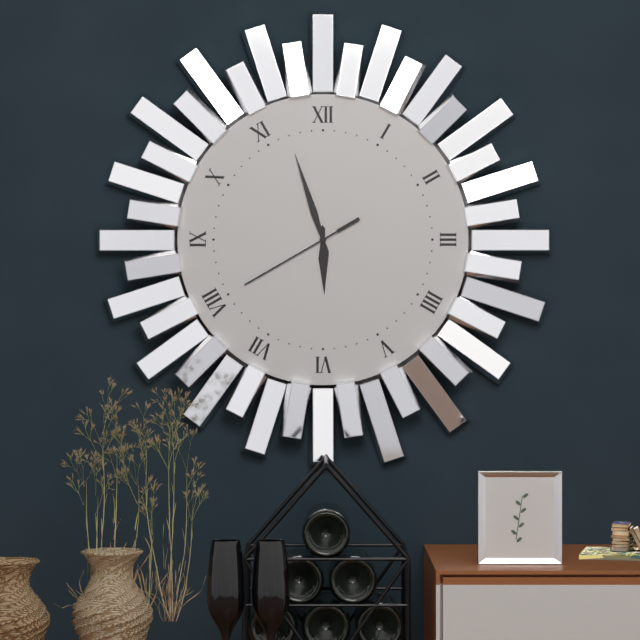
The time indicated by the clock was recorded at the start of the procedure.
5:57:40
